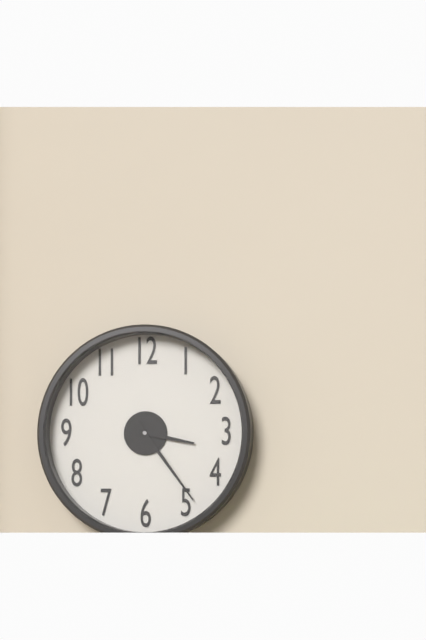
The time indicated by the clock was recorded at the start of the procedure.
3:24
